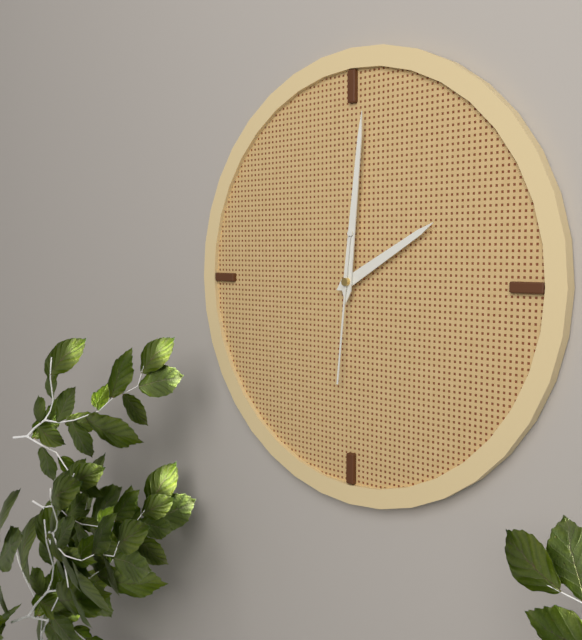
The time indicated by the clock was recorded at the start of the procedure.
2:01:31
